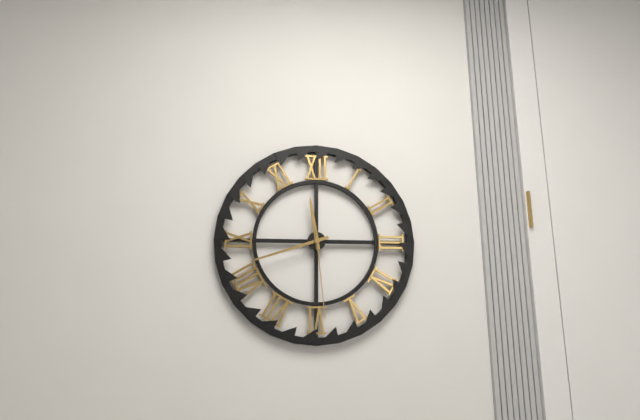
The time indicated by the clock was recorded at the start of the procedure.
11:42:29
